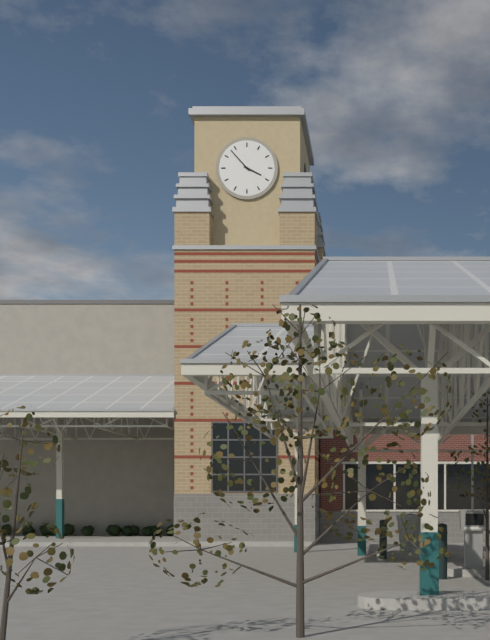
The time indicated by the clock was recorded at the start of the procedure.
3:53
